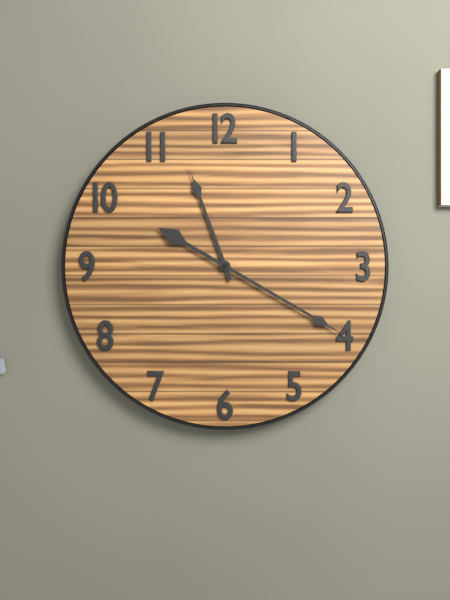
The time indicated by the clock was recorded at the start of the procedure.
11:20
